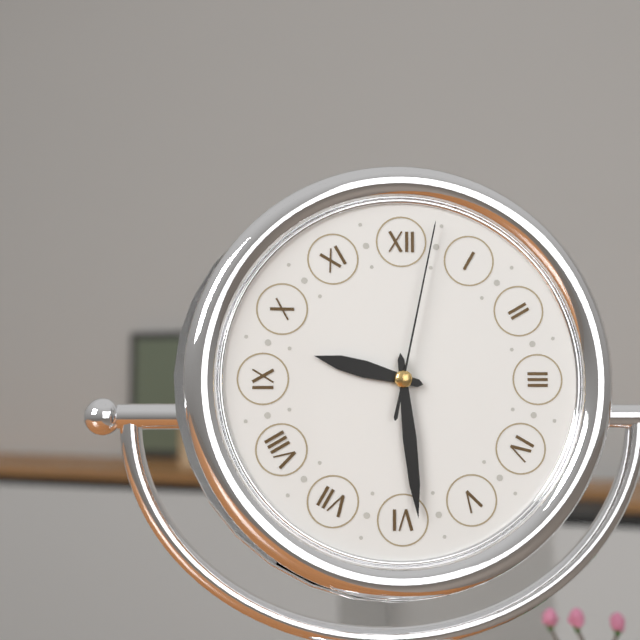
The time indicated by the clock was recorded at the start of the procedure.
9:29:02
